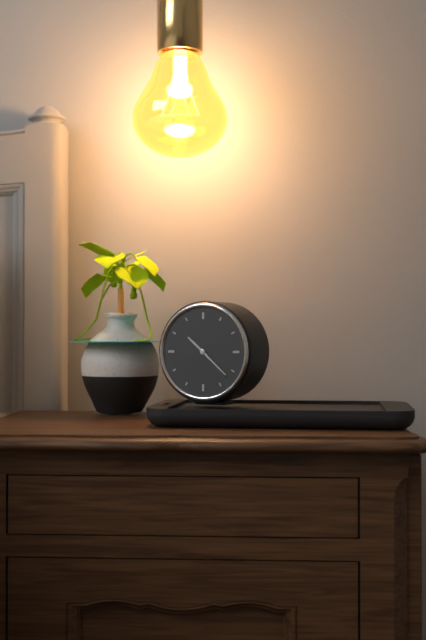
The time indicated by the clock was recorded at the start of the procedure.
10:22
